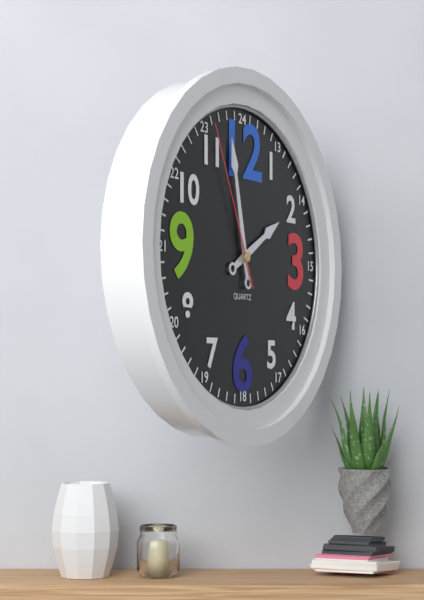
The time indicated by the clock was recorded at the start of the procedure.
1:58:56
